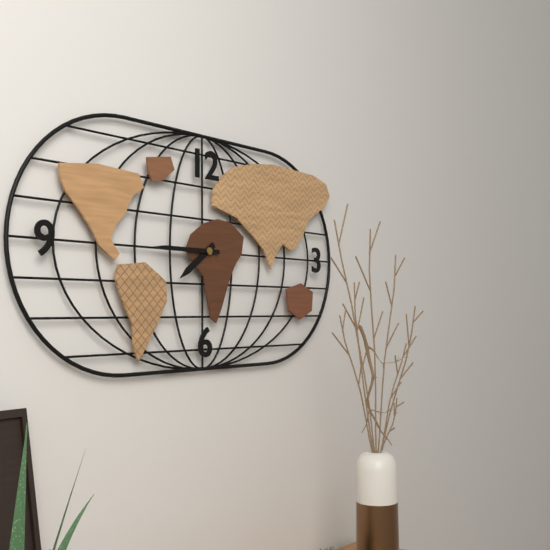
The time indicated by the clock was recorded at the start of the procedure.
7:45
